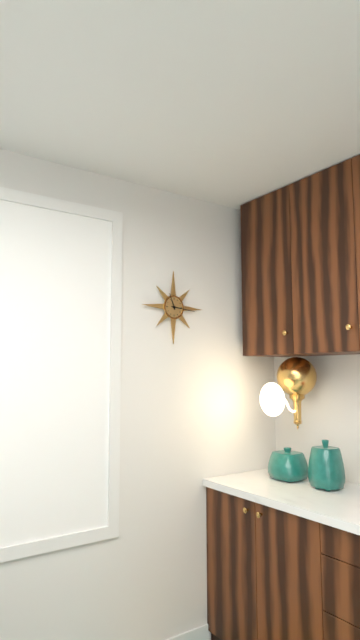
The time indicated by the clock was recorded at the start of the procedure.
11:16
